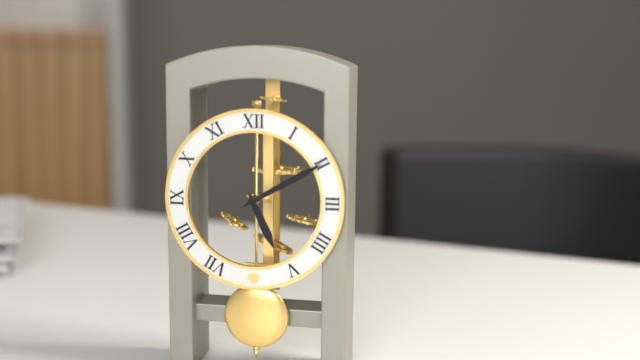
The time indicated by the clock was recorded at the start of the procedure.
5:10
